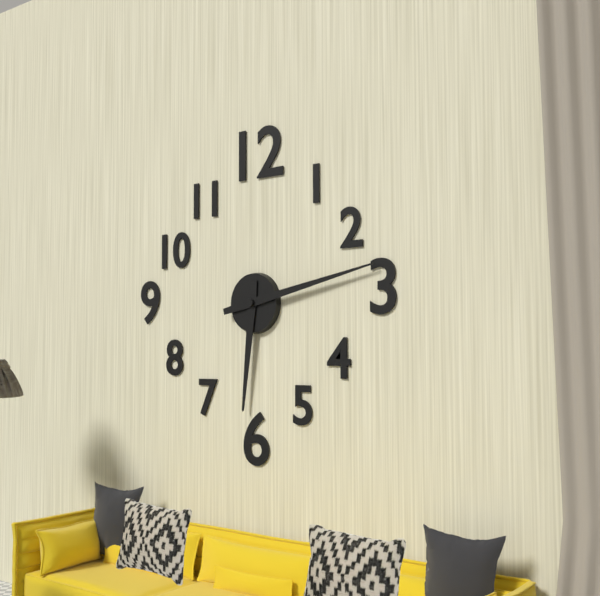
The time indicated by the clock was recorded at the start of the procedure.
6:13
